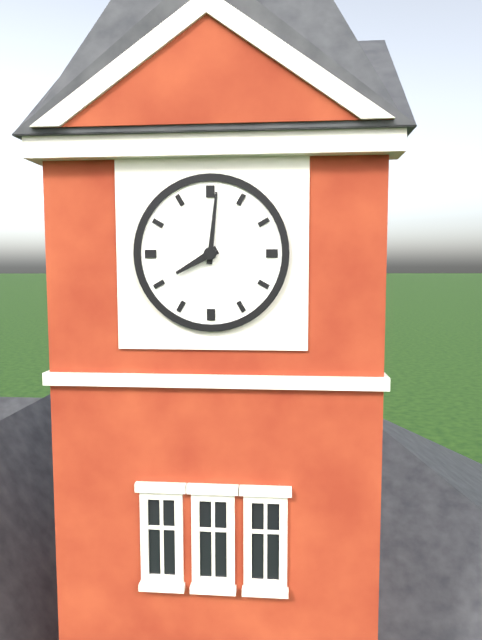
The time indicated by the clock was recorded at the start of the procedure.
8:01
